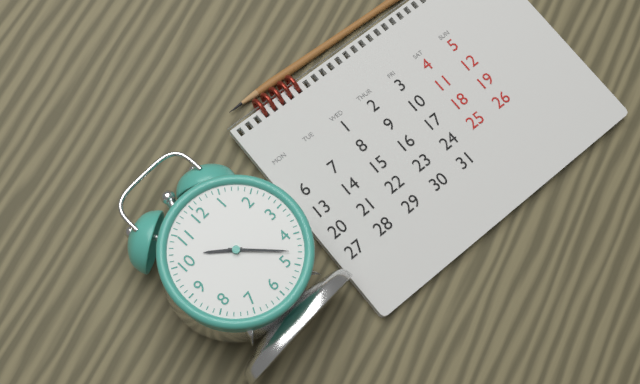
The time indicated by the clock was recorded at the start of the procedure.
10:23
